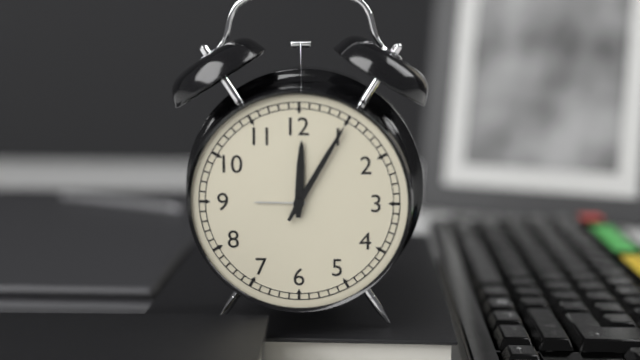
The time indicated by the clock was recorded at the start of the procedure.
12:05
